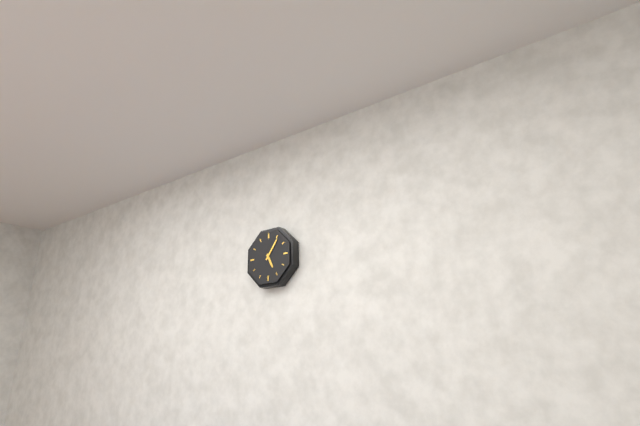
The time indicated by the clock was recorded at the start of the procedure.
5:06
